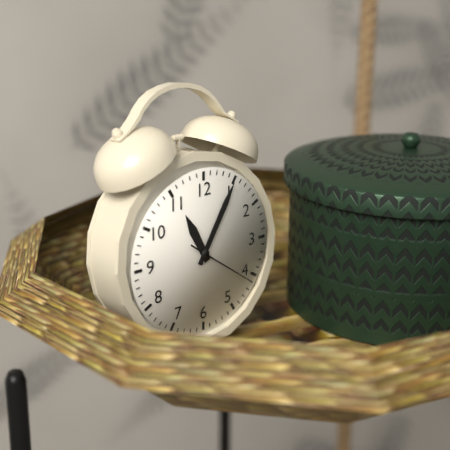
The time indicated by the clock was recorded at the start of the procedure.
11:05:21
